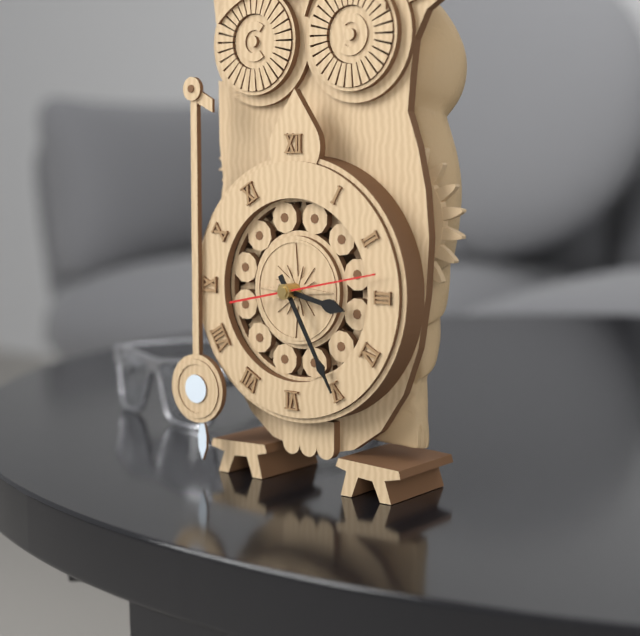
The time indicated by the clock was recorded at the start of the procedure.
3:25:13
